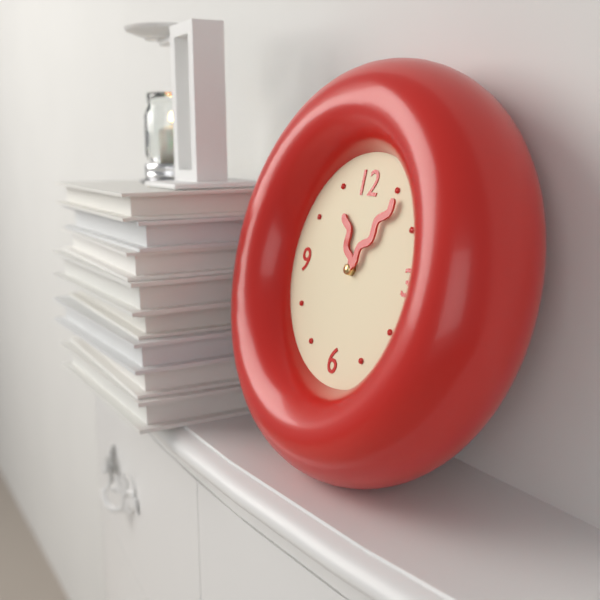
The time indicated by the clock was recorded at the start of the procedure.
11:06
